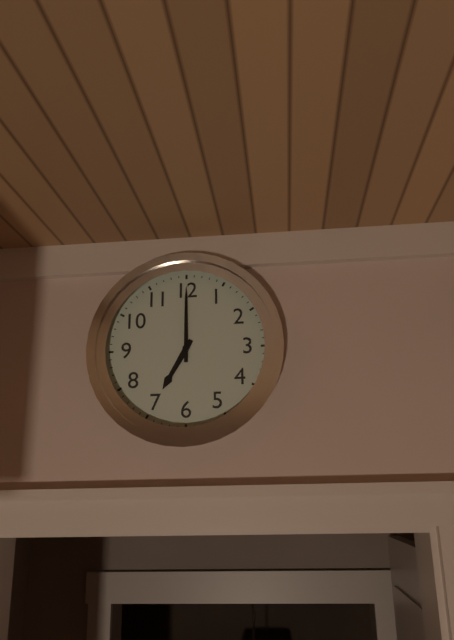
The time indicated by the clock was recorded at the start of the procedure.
7:00
